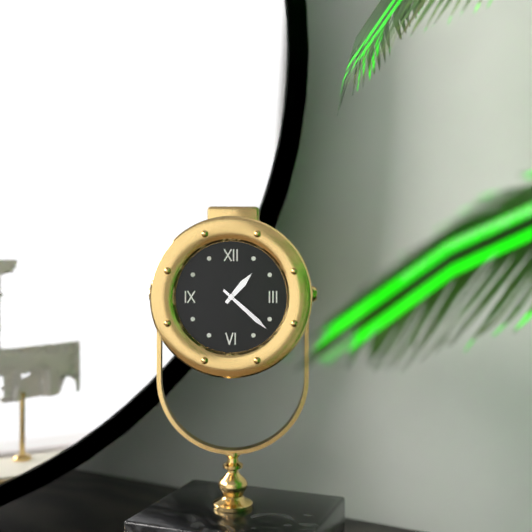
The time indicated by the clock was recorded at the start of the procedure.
1:22
